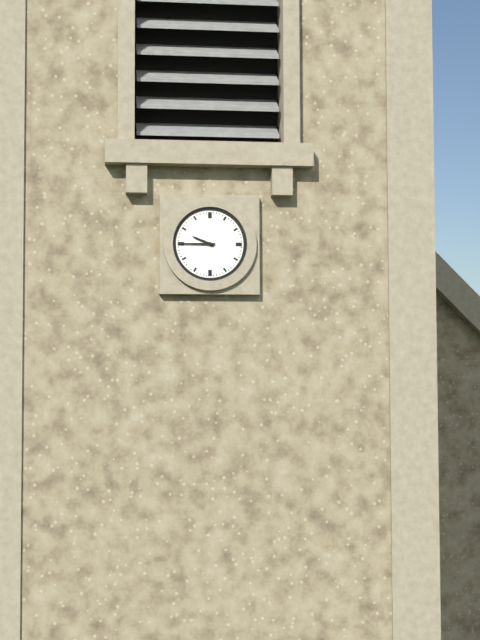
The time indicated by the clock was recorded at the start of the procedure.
9:45
